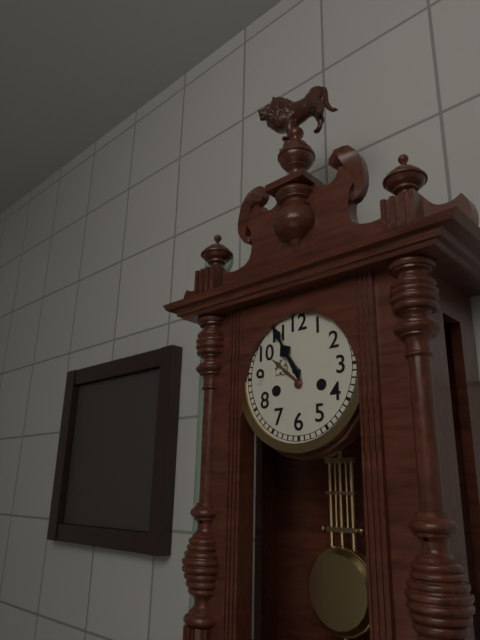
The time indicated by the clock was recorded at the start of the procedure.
10:55
